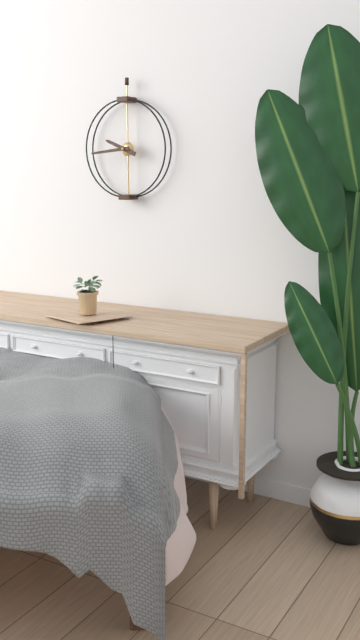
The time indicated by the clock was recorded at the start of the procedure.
9:44
